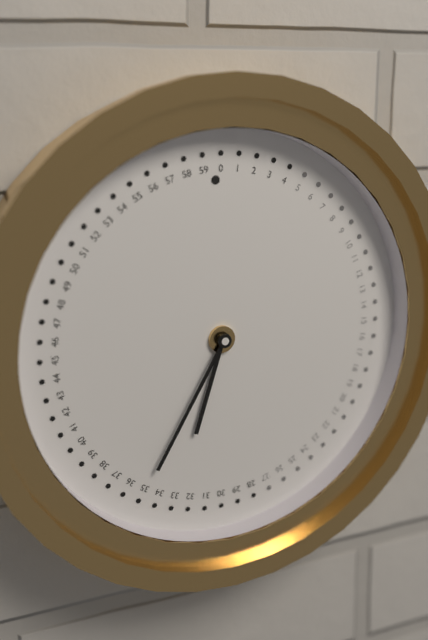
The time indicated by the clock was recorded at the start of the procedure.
6:35
